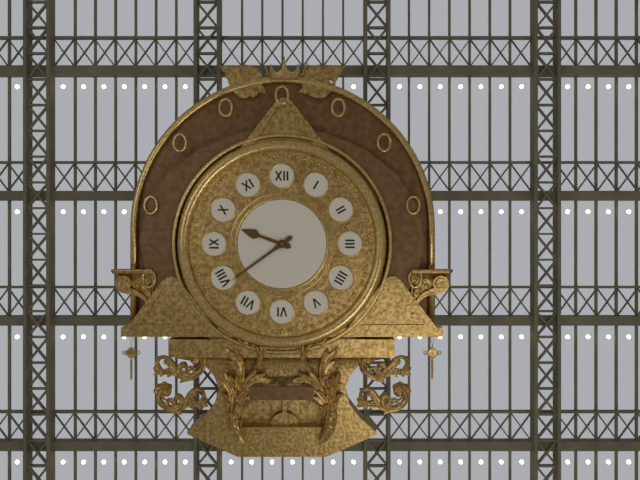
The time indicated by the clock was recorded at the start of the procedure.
9:39
